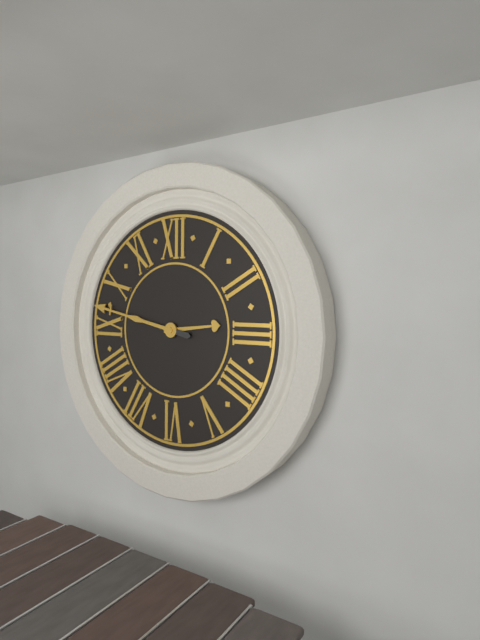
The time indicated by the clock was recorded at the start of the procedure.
2:47
